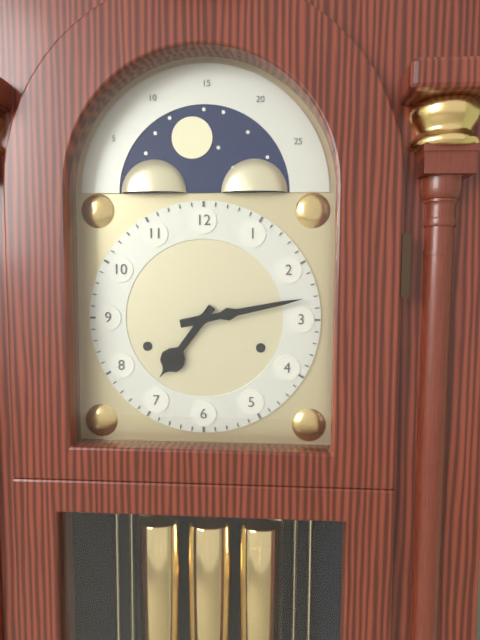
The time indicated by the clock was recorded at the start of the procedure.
7:13
